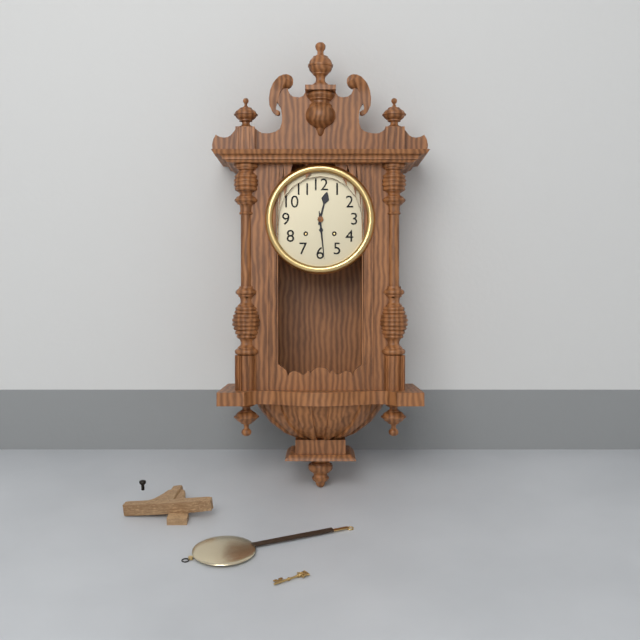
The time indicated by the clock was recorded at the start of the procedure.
12:29
